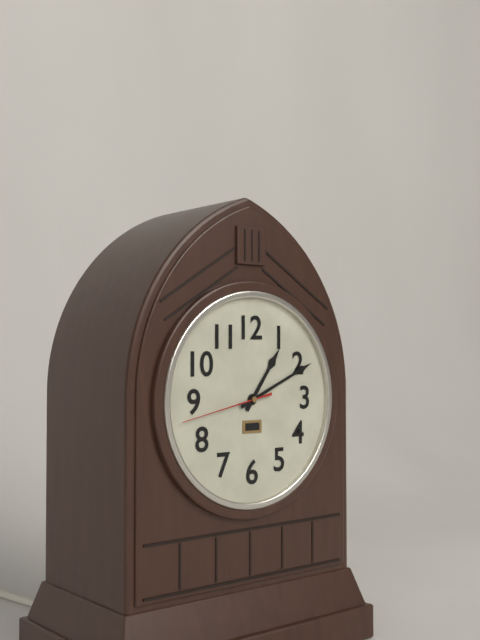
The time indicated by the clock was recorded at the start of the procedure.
1:11:43
